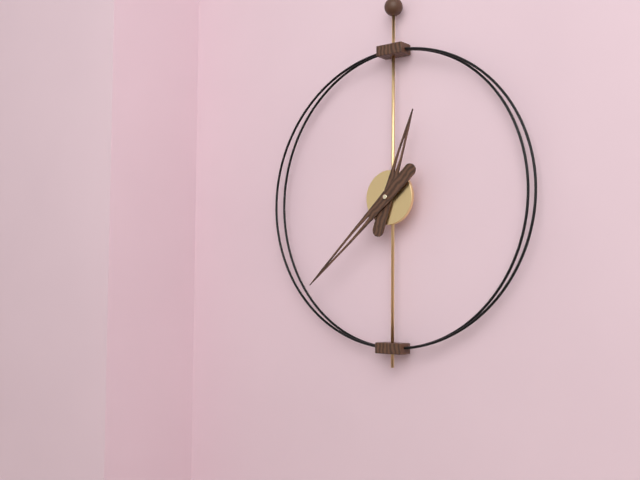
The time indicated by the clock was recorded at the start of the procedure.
12:38
